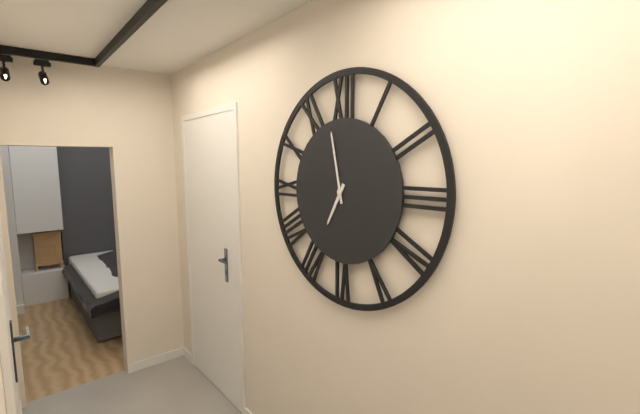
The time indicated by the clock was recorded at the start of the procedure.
6:58
